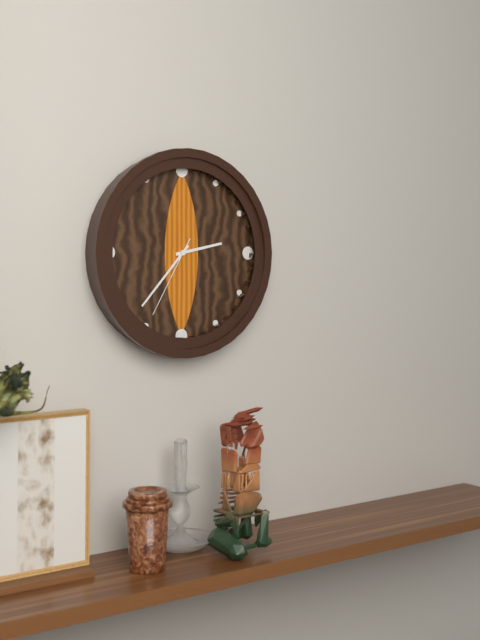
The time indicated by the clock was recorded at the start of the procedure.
2:37:35
